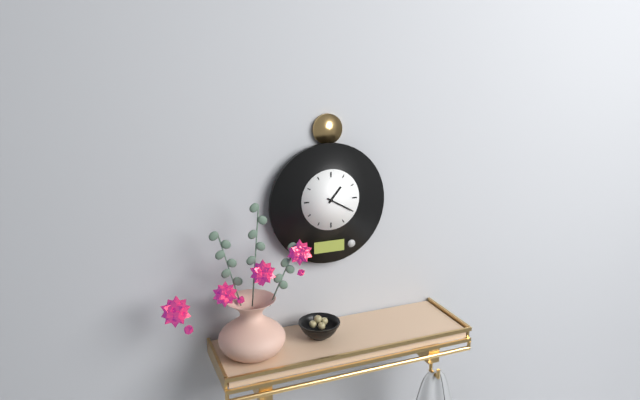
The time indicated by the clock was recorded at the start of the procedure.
1:20
